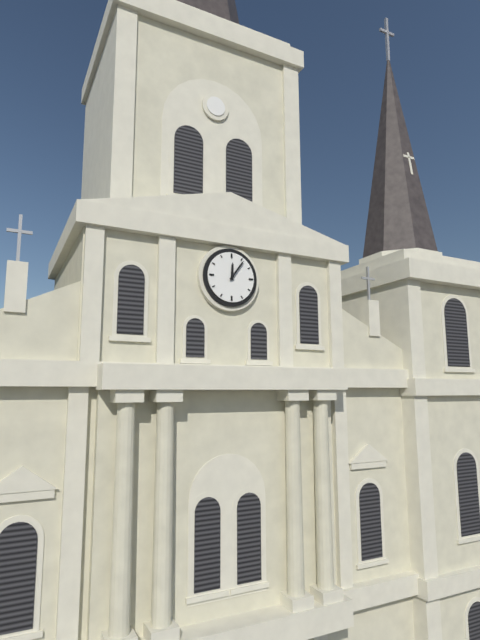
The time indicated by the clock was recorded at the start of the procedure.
12:06
